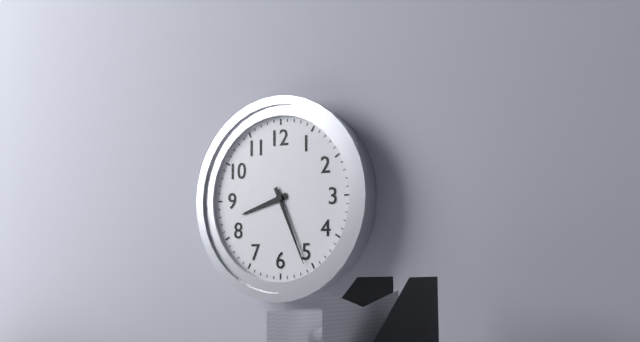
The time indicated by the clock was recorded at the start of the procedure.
8:26
